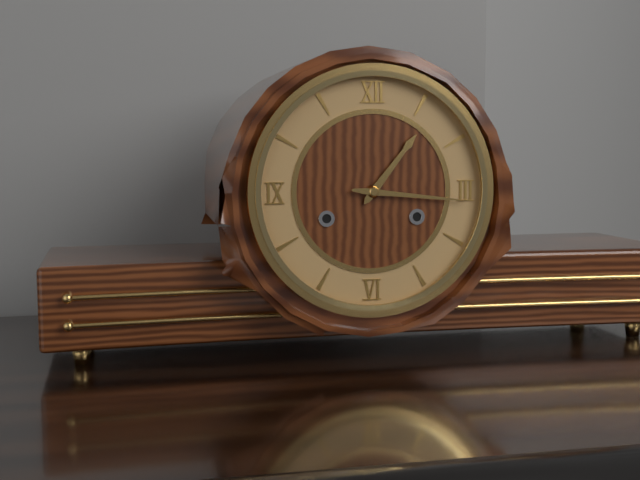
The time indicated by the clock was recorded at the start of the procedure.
1:16
